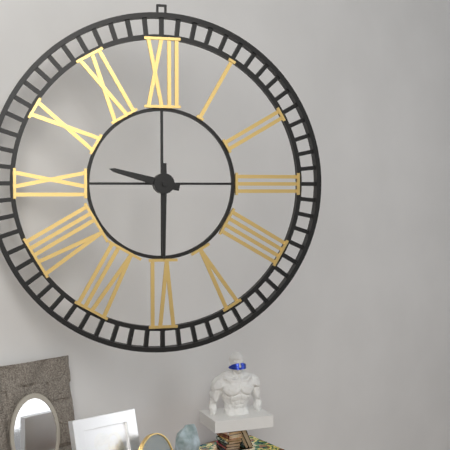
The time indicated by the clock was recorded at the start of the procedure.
9:30
